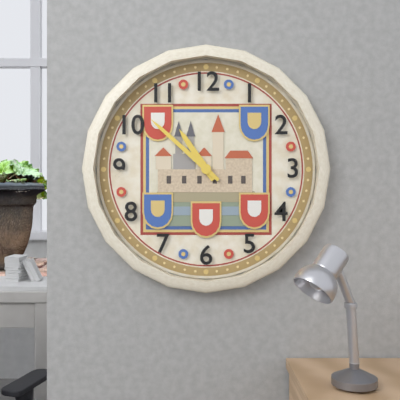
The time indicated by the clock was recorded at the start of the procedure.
10:52
